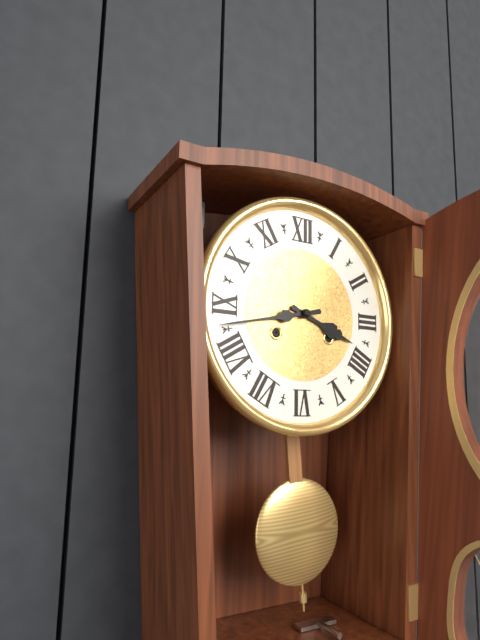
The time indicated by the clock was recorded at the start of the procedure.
3:43
